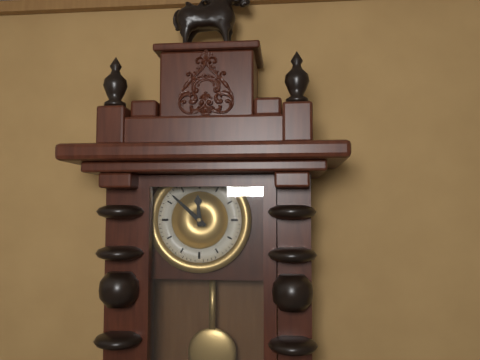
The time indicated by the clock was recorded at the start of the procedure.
11:52
